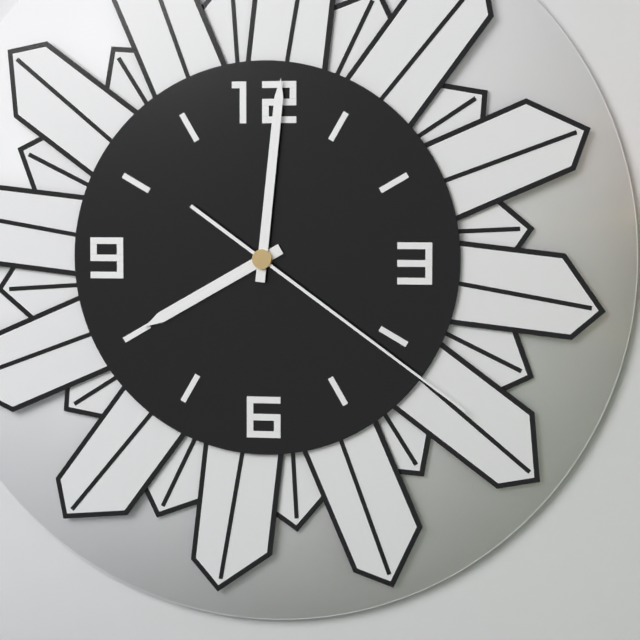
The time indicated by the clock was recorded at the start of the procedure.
8:01:21
